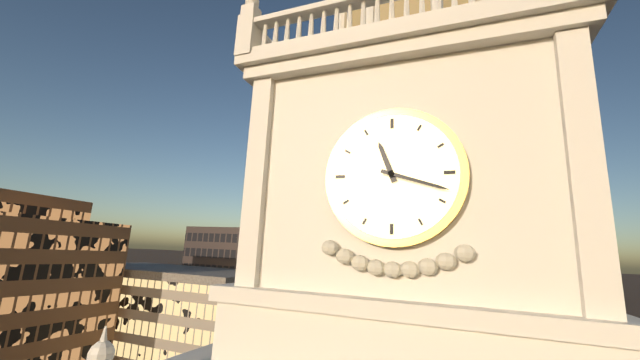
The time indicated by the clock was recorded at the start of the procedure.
11:18
